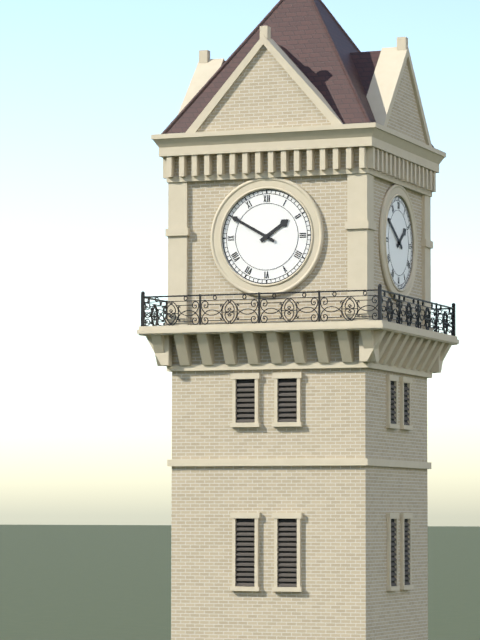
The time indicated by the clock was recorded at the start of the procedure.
1:50
